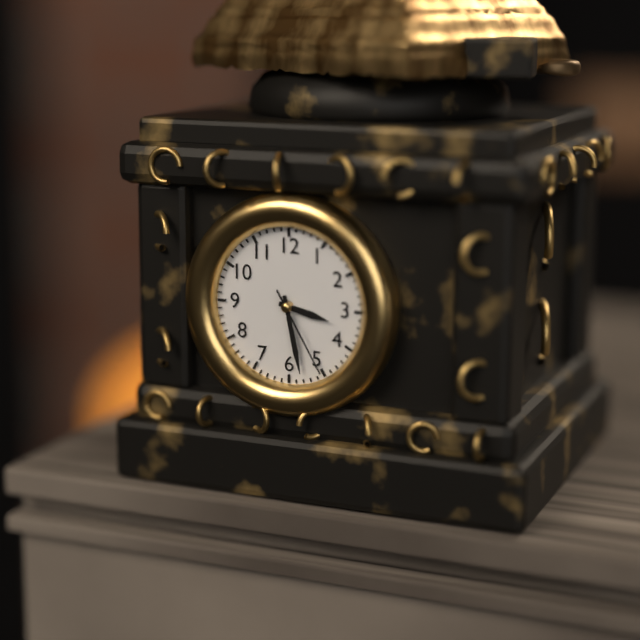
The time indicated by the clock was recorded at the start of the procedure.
3:28:25
